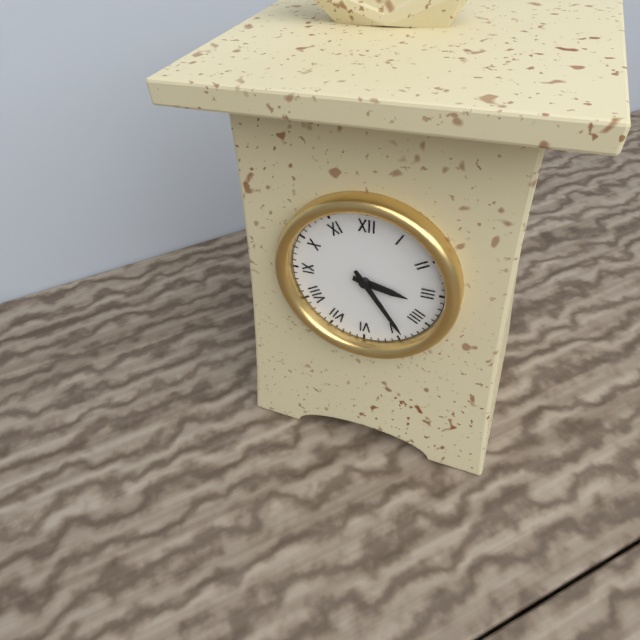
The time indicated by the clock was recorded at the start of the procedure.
3:24
